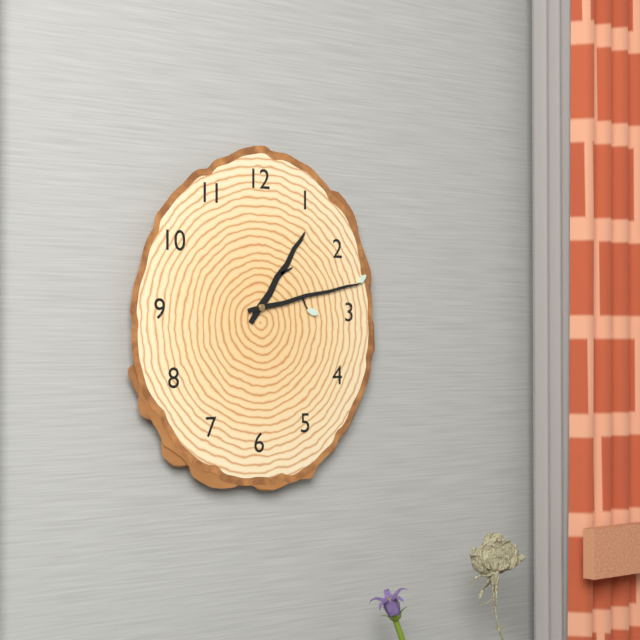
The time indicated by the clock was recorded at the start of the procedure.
1:13
